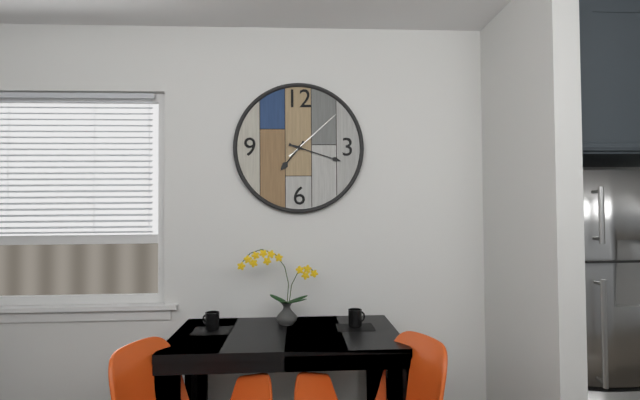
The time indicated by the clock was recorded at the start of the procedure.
7:18:08
